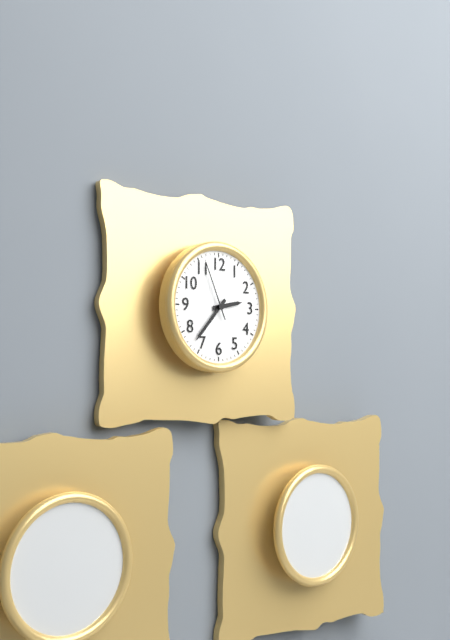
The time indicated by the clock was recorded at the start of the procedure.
2:37:56
